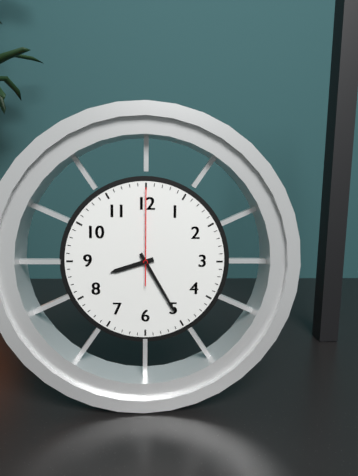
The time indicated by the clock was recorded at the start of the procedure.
8:25:00
